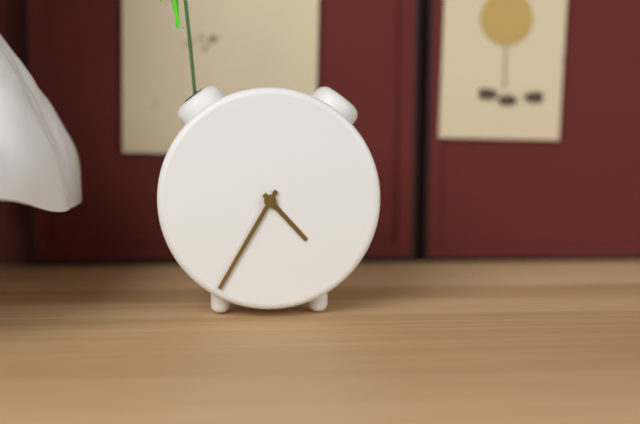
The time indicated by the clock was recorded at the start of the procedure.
4:35
